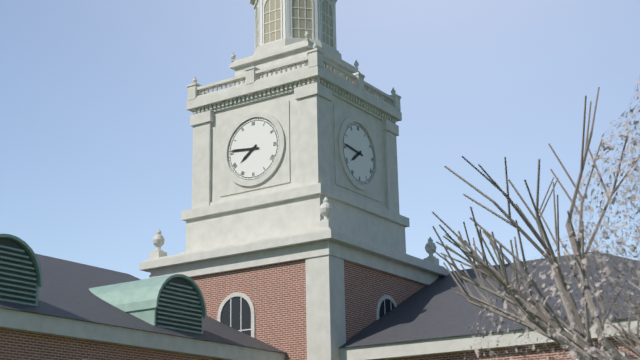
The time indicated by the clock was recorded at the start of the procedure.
7:46
